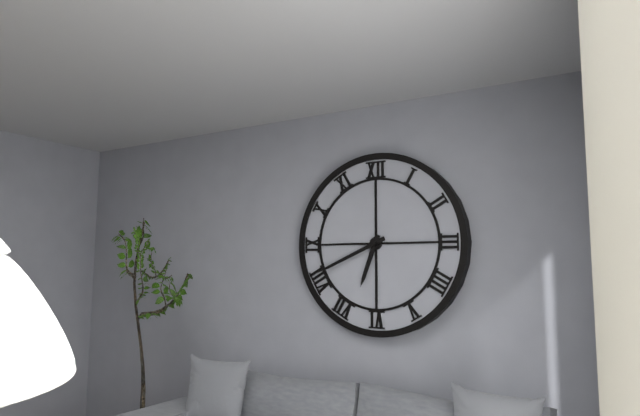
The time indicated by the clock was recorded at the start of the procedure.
6:41
